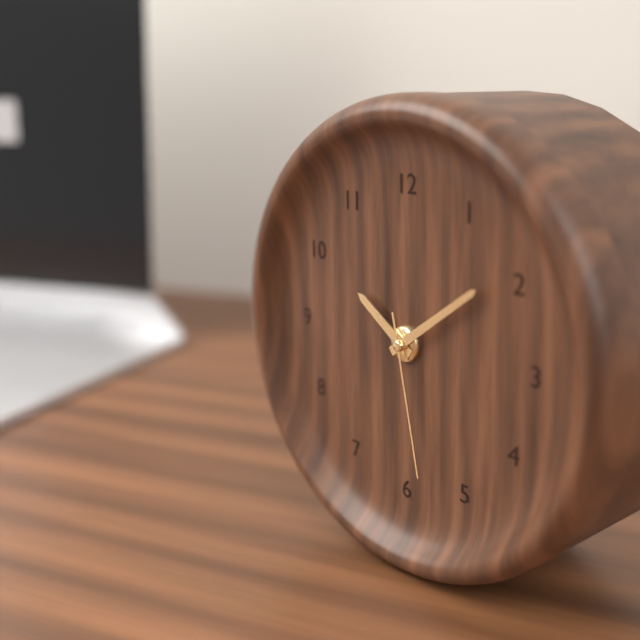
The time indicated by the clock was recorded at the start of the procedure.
10:09:28
